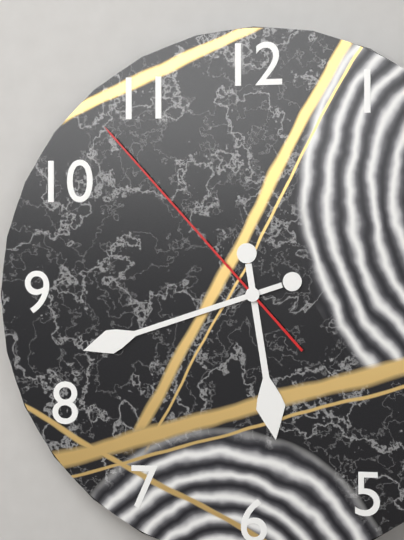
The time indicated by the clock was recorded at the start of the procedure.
5:42:53
